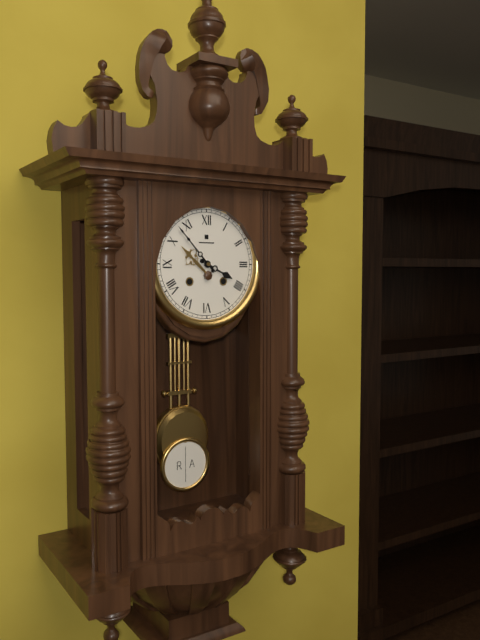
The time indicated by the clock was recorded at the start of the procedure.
3:53
